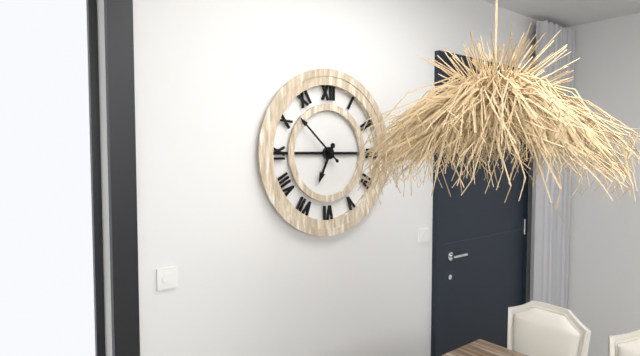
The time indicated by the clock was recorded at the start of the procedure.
6:52
